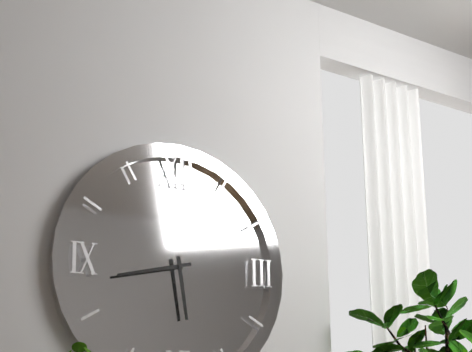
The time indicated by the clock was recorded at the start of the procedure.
5:43
